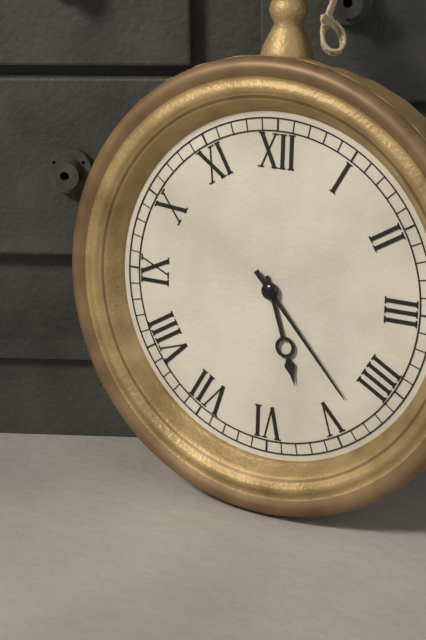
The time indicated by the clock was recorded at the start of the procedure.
5:23
